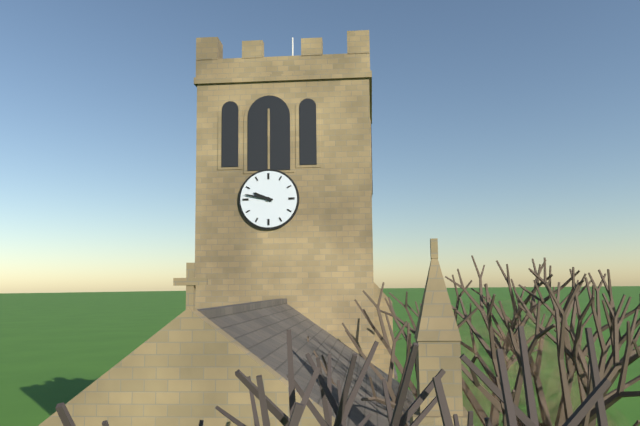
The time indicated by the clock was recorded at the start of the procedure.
9:47
